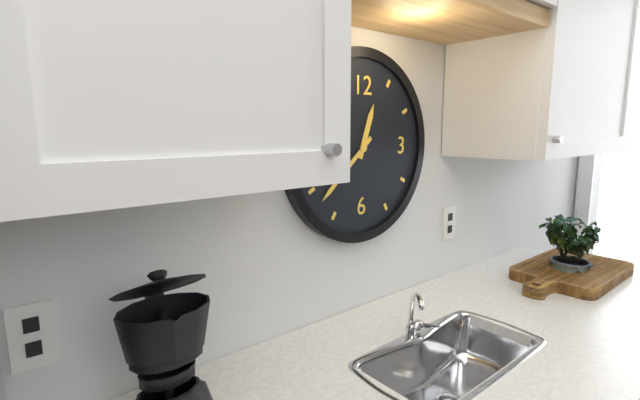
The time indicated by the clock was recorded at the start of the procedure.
12:38
